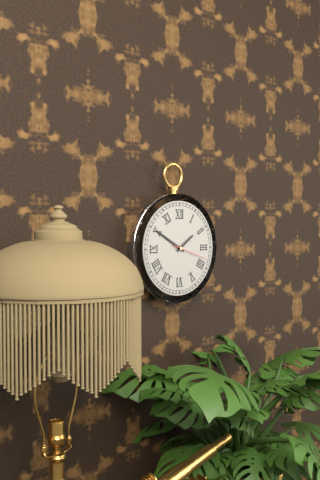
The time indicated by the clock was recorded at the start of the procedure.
1:50
